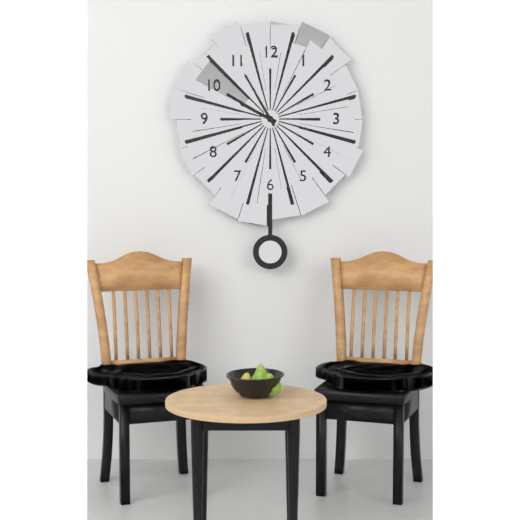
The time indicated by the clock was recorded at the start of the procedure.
9:55
